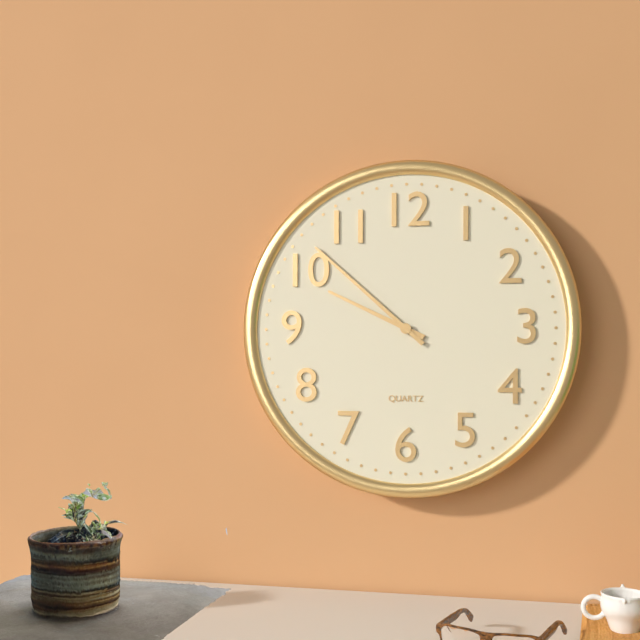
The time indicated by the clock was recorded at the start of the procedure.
9:52
